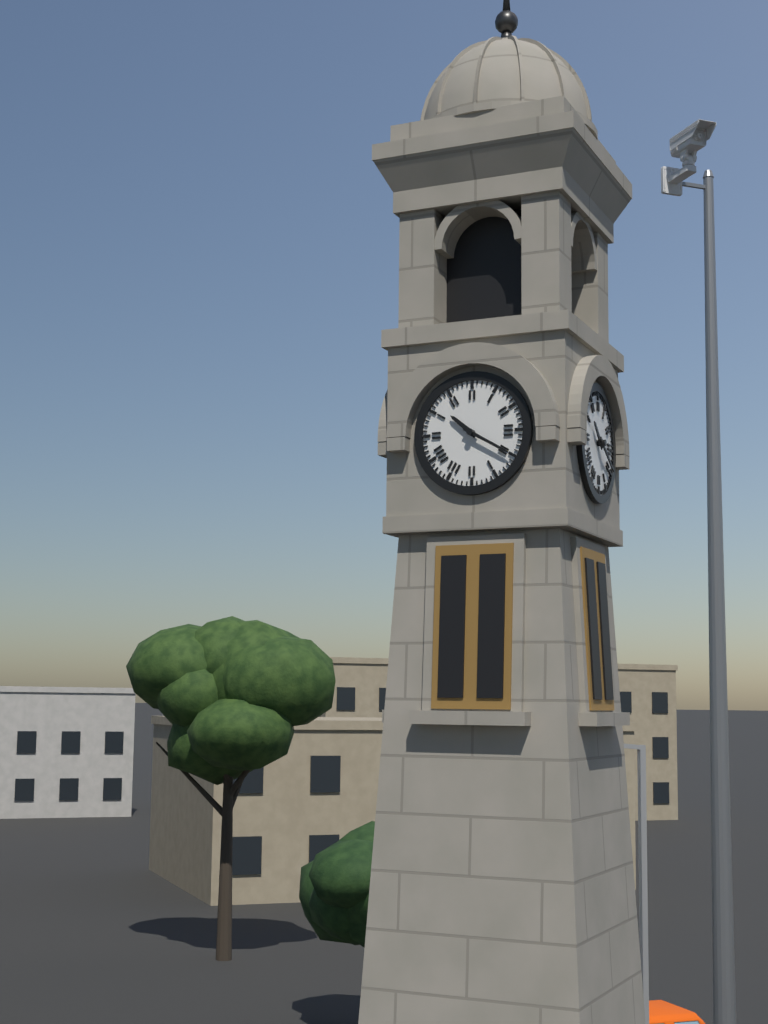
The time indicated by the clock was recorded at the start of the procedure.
10:20
